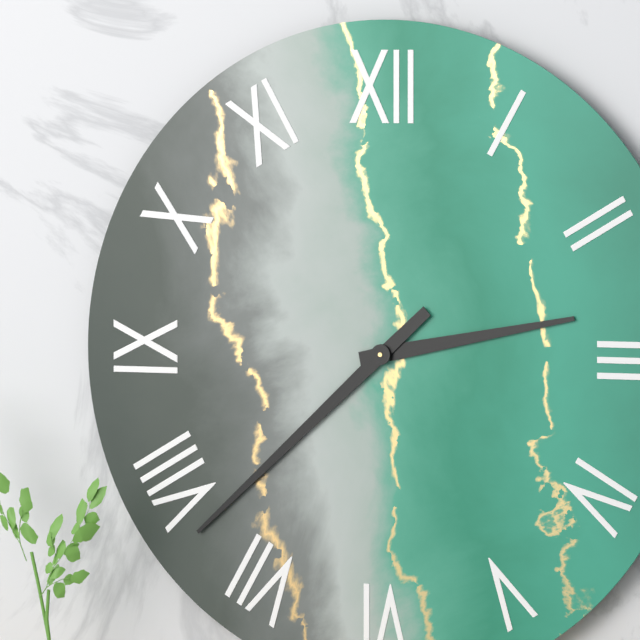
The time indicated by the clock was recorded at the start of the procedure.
2:38
